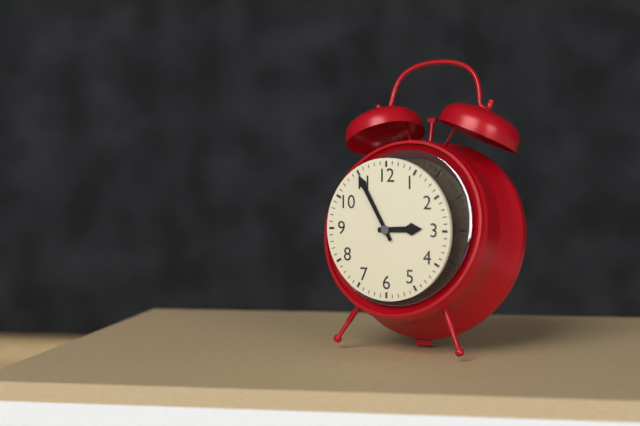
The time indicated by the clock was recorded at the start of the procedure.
2:55
